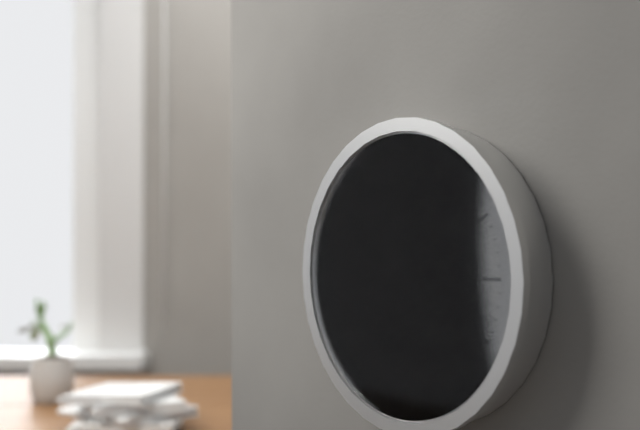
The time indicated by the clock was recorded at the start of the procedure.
12:08
